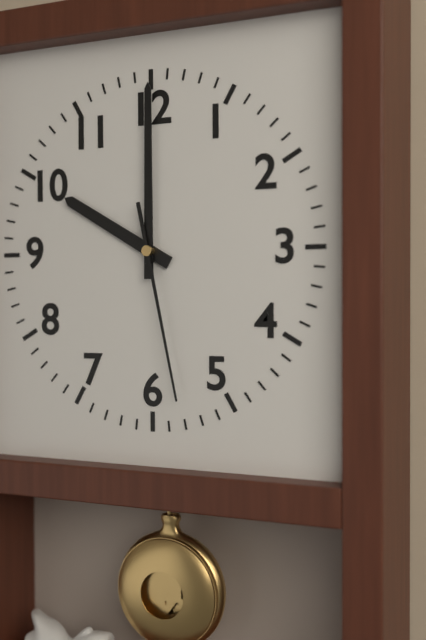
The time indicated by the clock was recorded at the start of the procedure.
10:00:28
